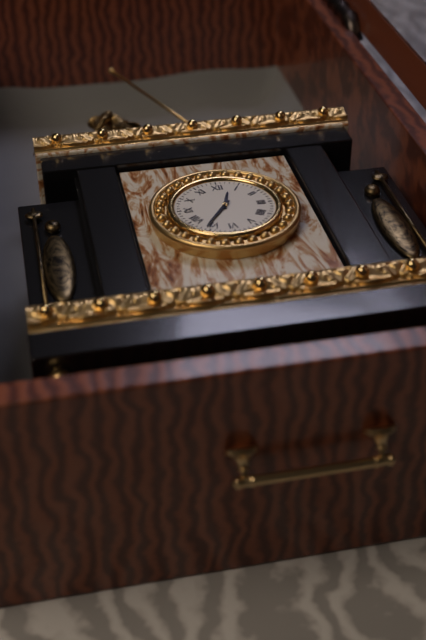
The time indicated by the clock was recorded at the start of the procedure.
12:36
